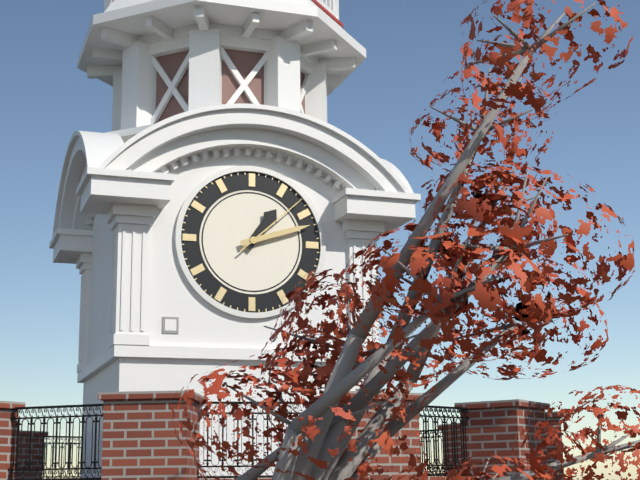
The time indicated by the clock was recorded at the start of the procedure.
1:12:08
